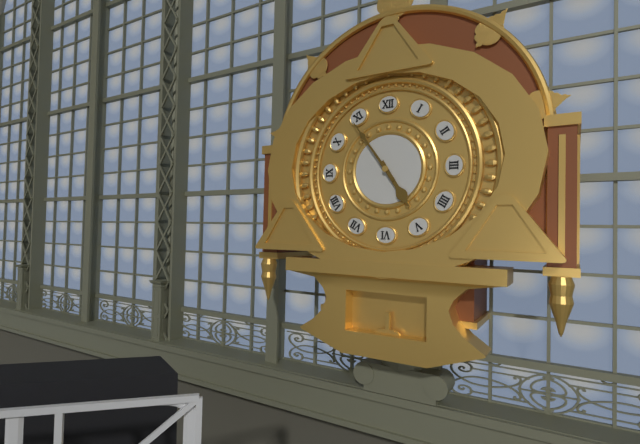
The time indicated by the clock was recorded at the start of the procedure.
4:54
